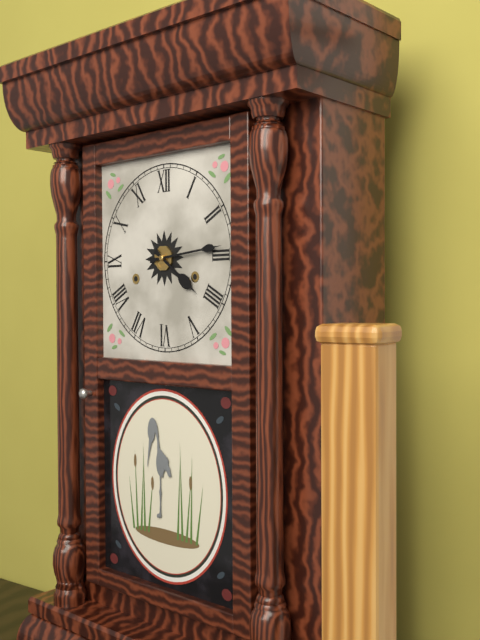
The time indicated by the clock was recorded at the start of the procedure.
4:14
